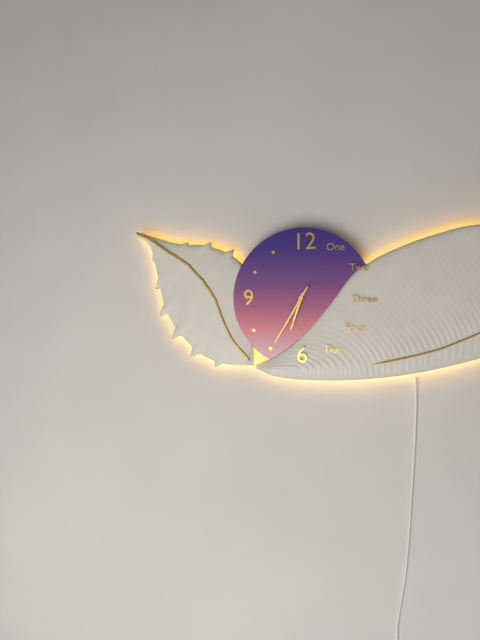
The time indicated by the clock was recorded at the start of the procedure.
6:35
